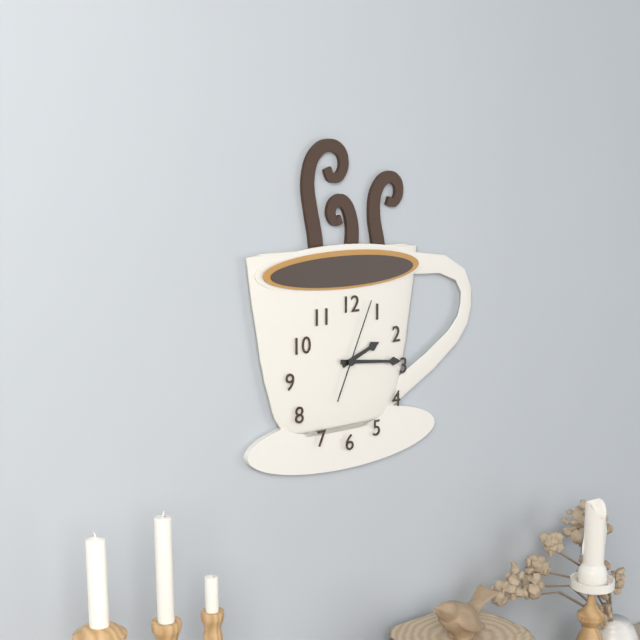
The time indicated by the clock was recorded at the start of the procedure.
2:16:04
